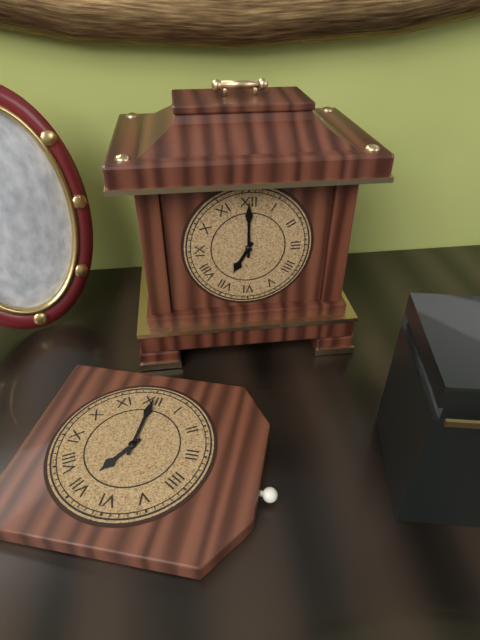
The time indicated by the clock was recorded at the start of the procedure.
7:00
